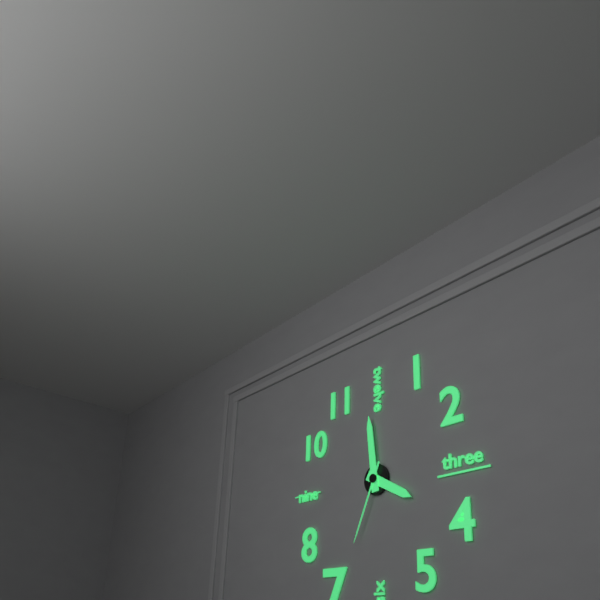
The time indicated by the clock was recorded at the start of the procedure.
3:59:34
